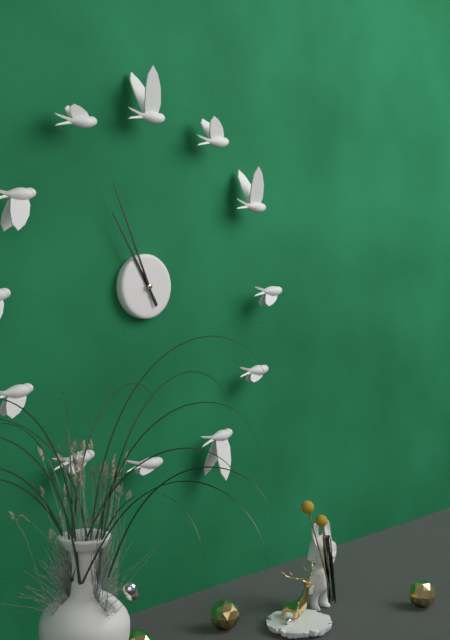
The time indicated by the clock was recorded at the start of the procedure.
10:56
